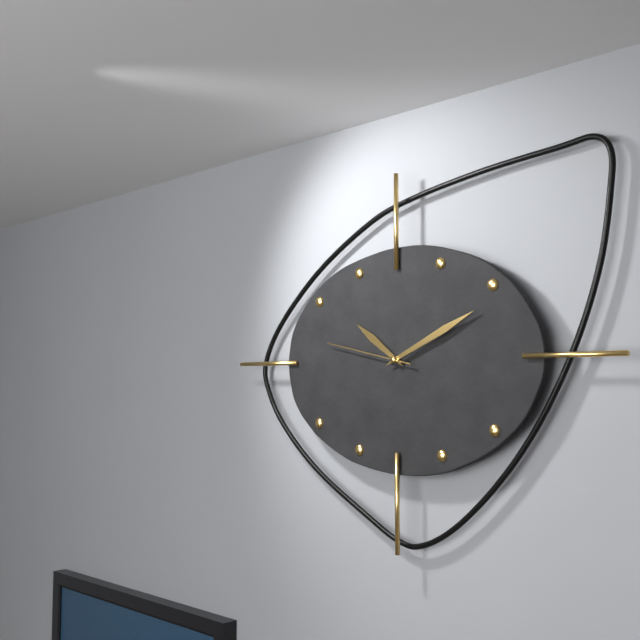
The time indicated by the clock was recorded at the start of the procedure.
10:11:47
